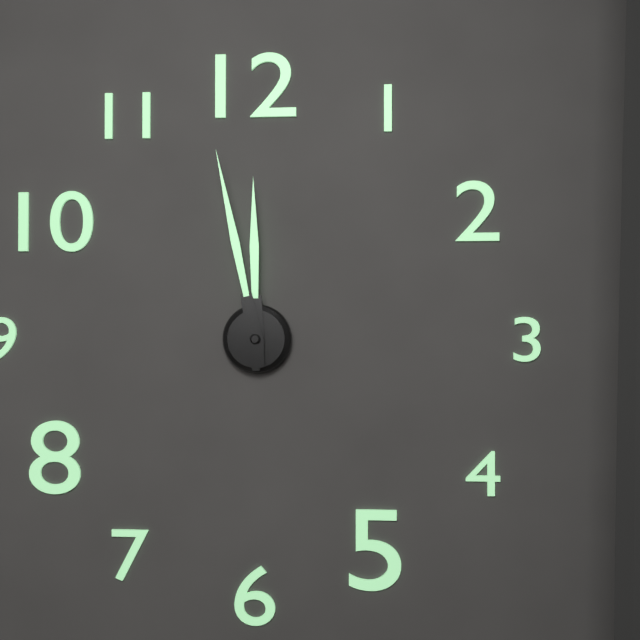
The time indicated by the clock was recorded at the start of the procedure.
11:58
